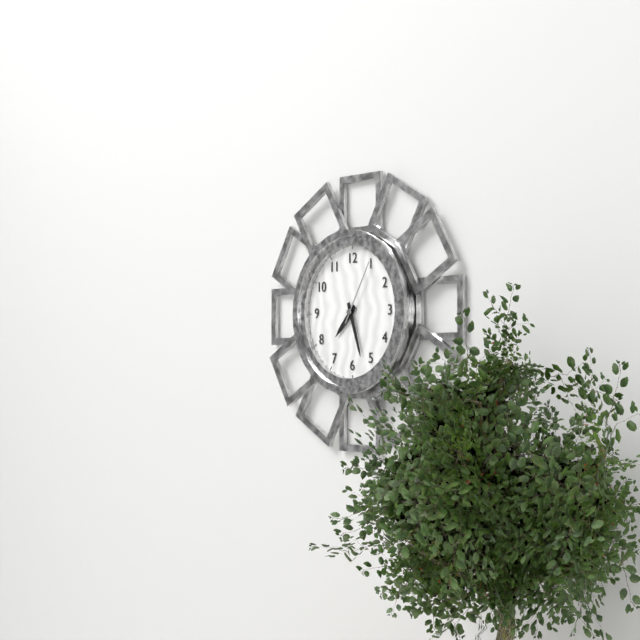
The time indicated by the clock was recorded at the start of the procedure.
7:27:05
